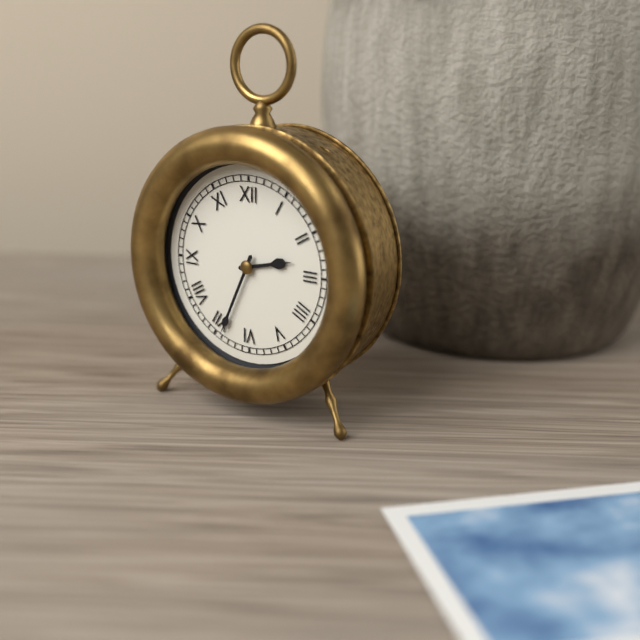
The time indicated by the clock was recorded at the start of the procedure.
2:34
